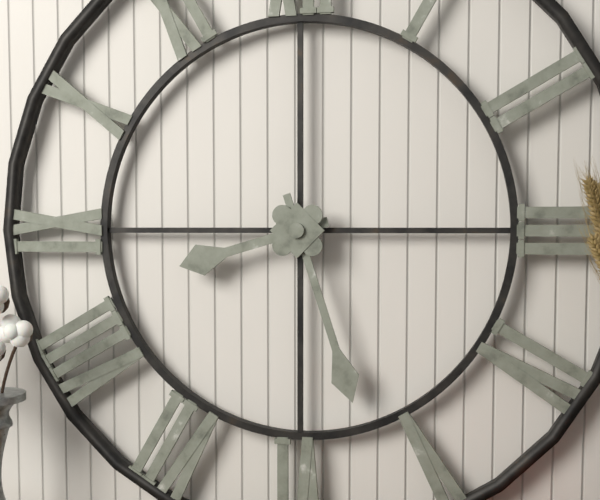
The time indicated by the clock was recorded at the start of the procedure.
8:27
